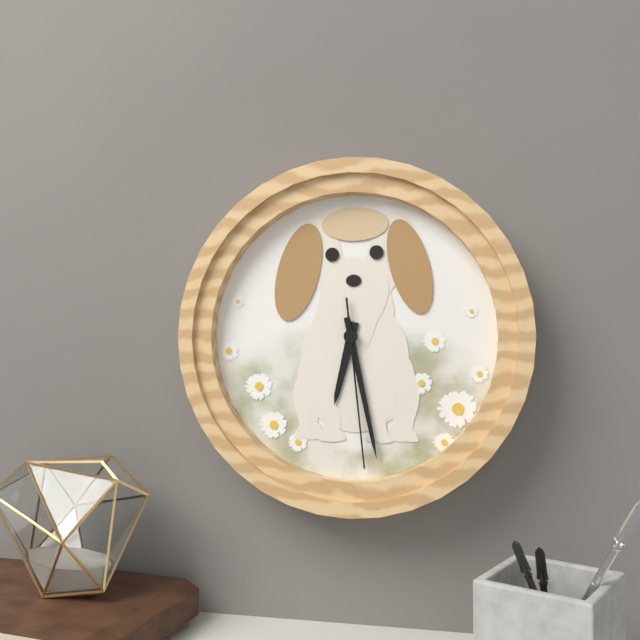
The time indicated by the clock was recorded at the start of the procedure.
6:28:29
